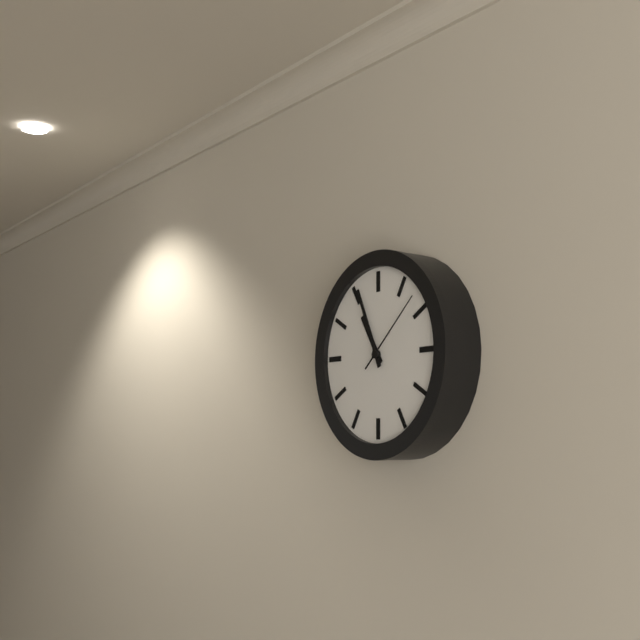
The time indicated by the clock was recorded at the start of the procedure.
10:56:08
